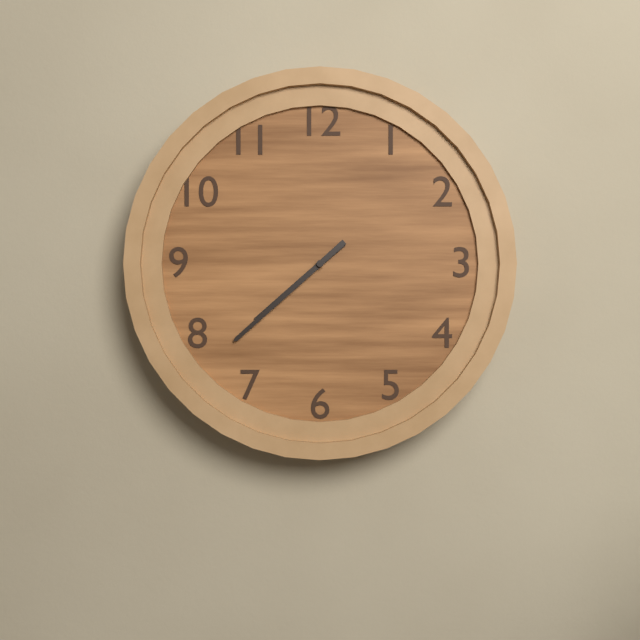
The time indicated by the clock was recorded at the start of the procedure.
7:38
